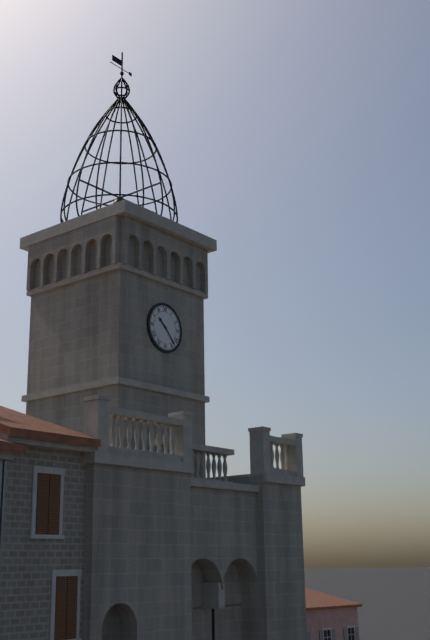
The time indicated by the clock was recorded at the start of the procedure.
10:23
